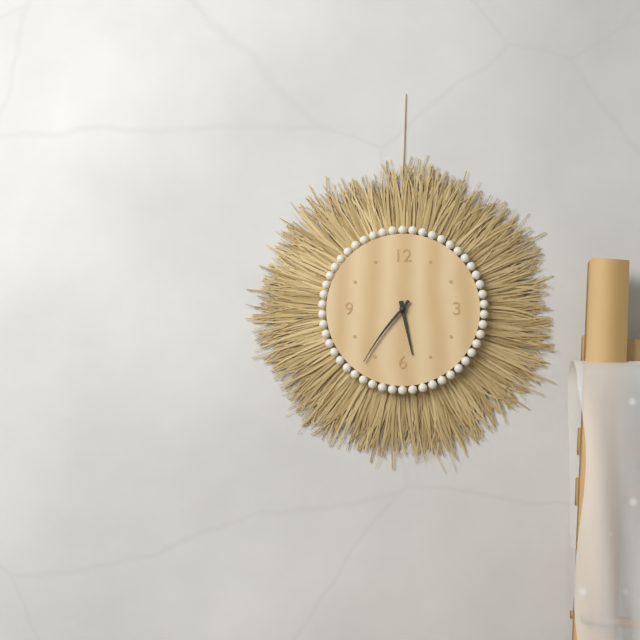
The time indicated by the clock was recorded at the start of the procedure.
5:36
